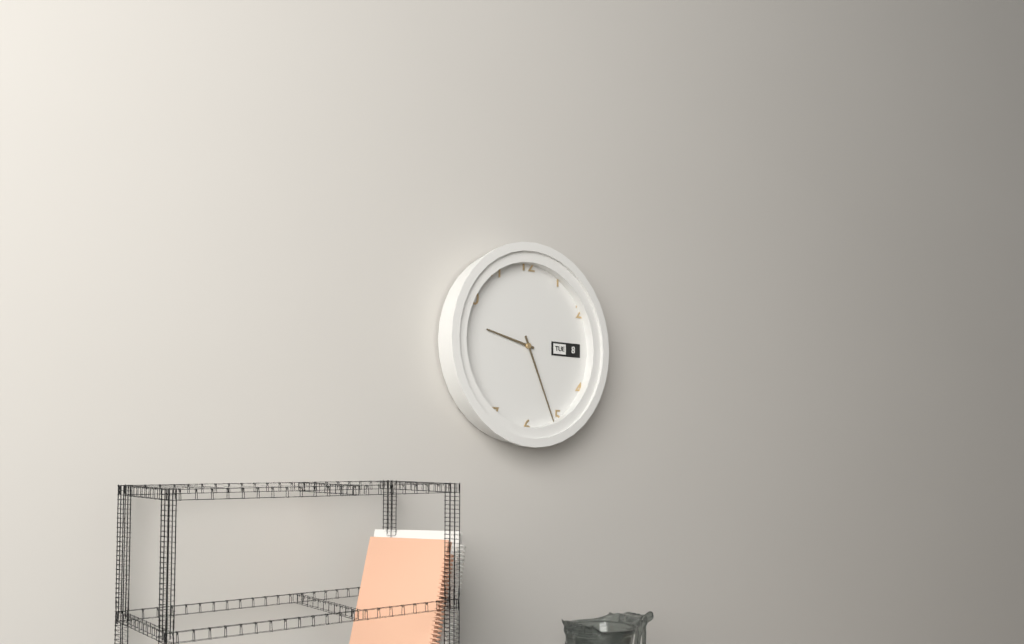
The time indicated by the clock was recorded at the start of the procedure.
9:26
